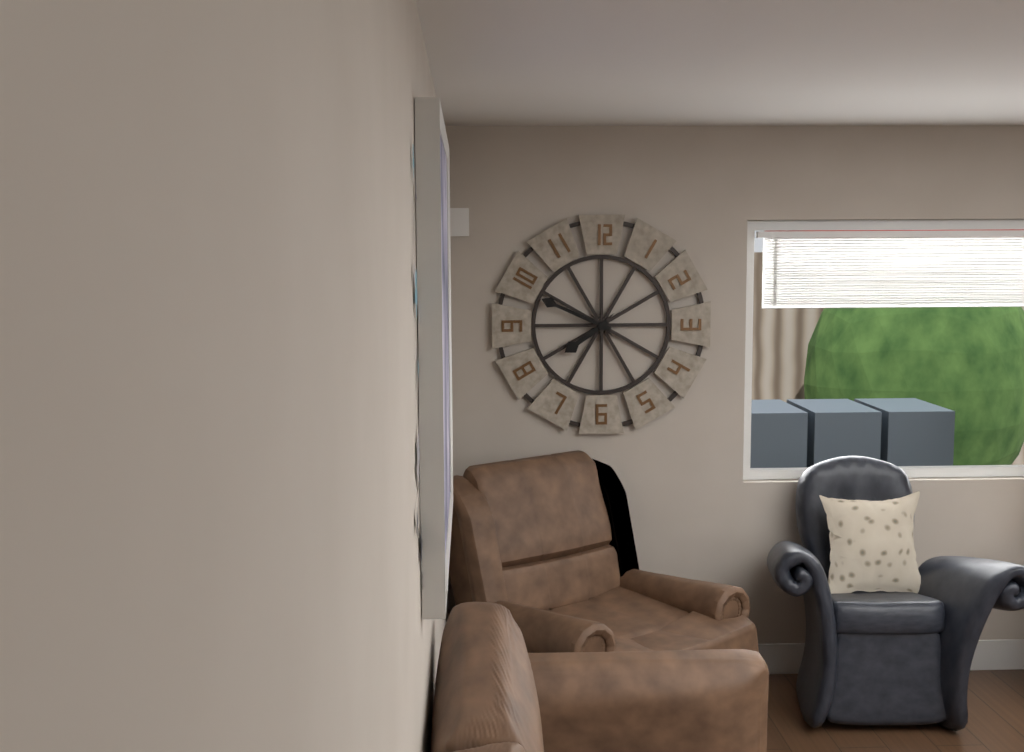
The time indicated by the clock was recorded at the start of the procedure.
7:49
